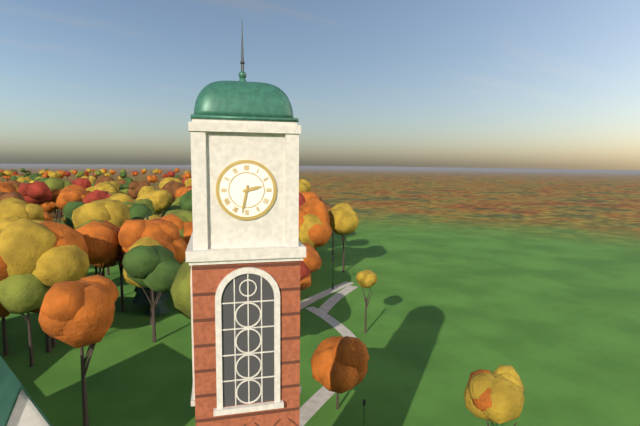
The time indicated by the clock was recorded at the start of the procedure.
2:32
